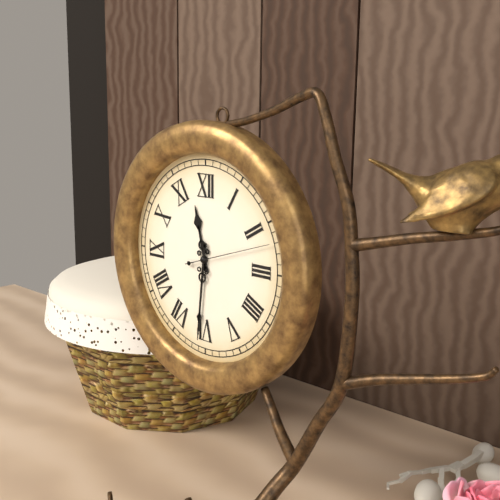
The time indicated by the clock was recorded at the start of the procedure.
11:31:12
